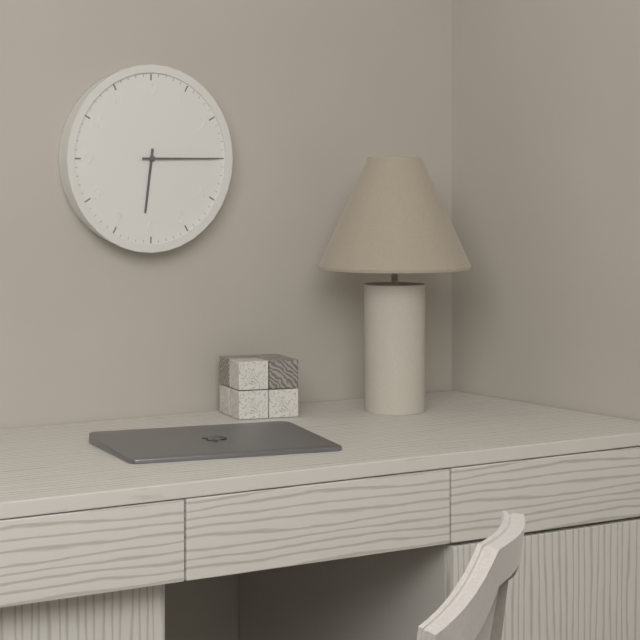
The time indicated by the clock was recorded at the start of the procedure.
6:15
